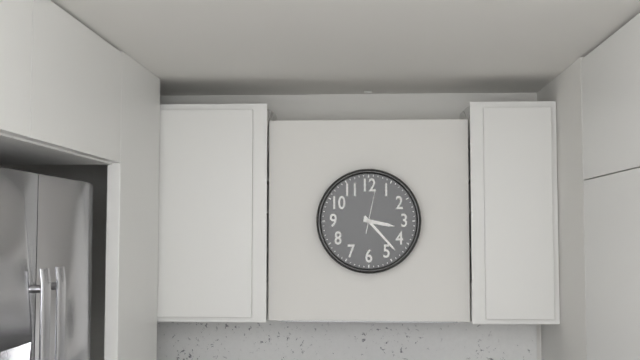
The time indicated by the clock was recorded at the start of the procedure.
3:23
